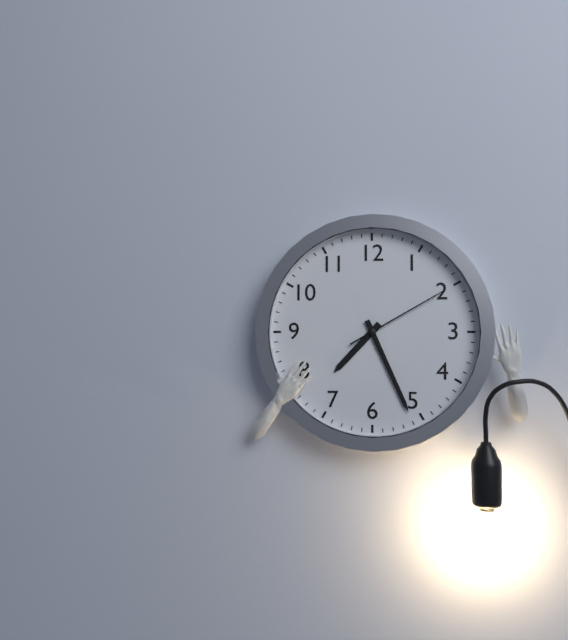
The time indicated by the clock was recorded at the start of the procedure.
7:26:10
